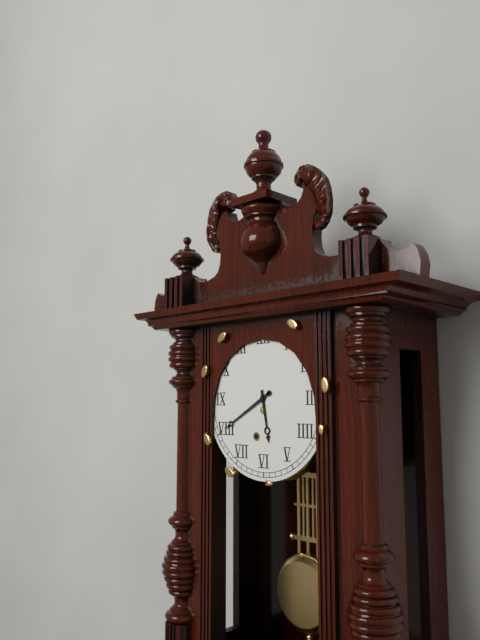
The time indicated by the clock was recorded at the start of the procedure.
5:40
